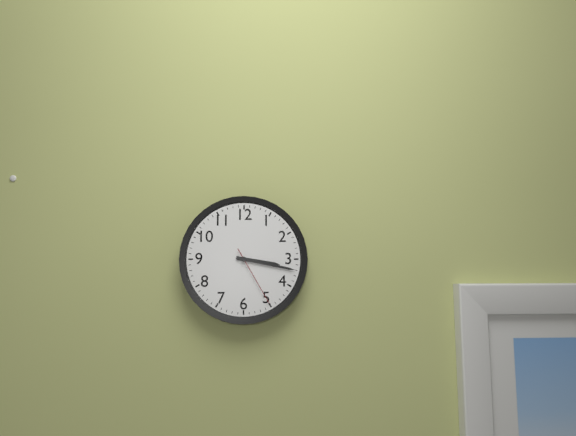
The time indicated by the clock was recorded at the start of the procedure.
3:17:25
